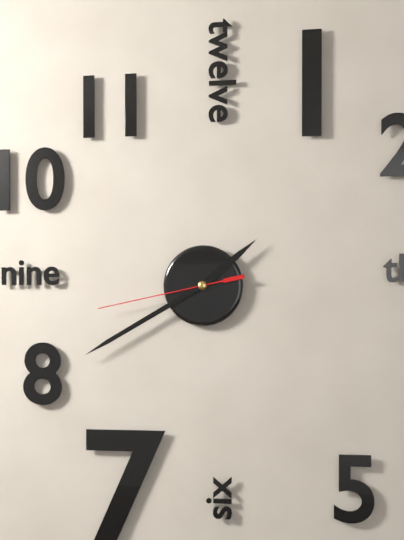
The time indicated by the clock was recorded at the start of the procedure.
1:40:43
